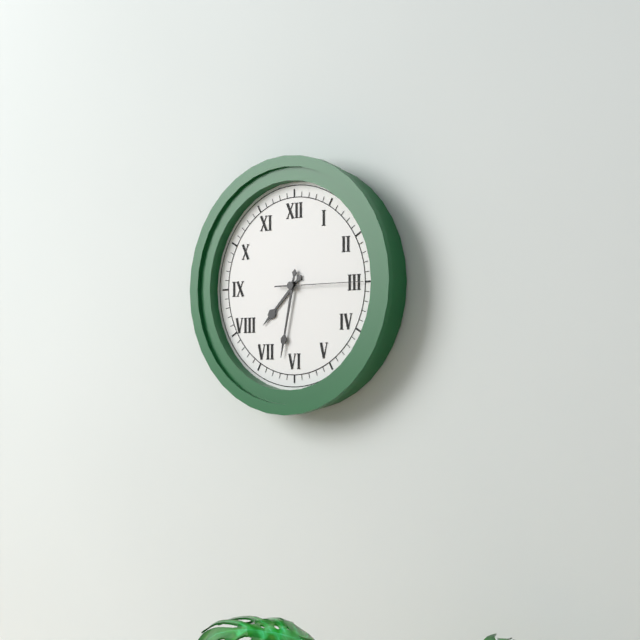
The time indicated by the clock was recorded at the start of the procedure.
7:32:15
